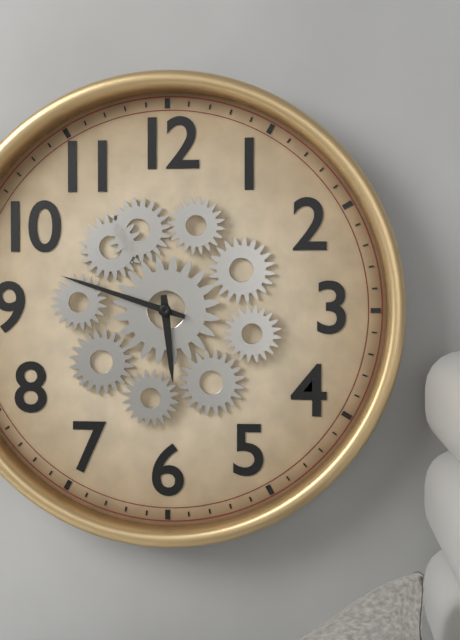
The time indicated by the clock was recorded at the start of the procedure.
5:48
